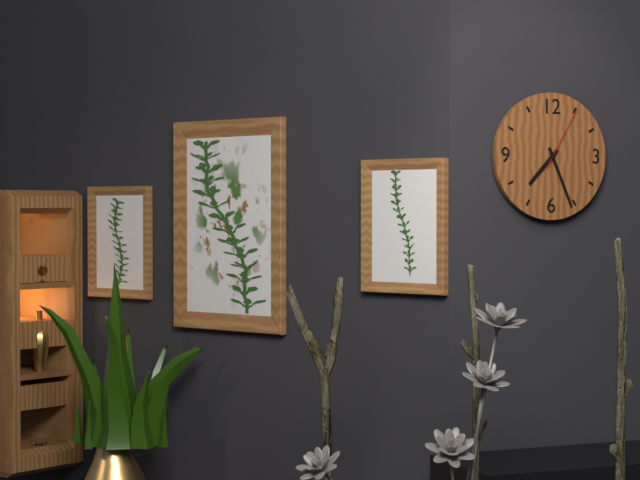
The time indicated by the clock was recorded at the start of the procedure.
7:26:05
